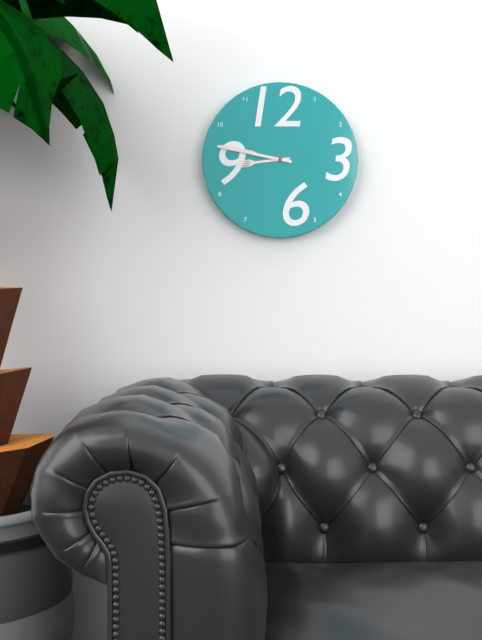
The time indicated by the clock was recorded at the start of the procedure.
8:47
